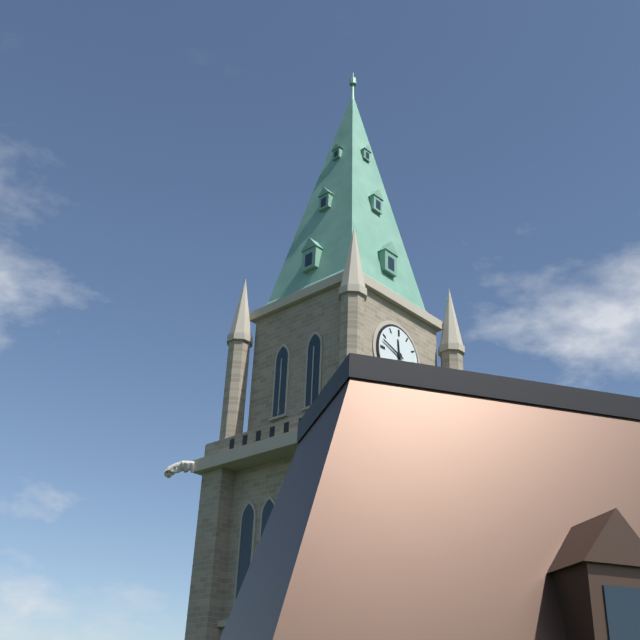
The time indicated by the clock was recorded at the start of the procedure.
11:48
